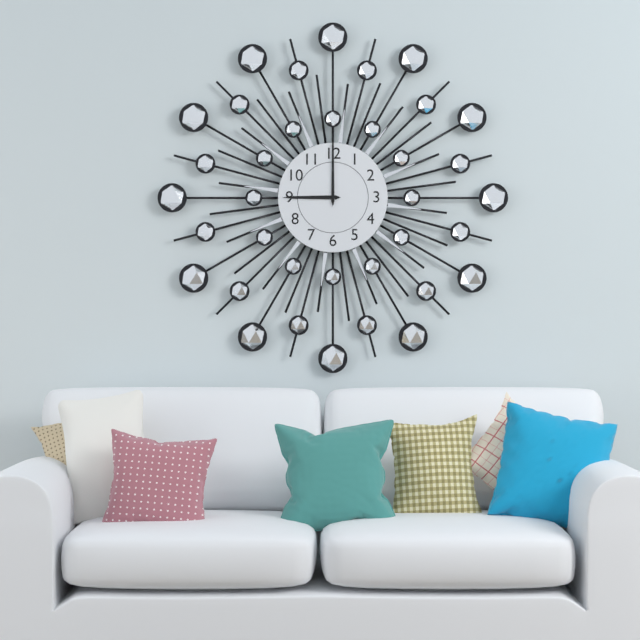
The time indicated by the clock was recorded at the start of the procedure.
9:00
